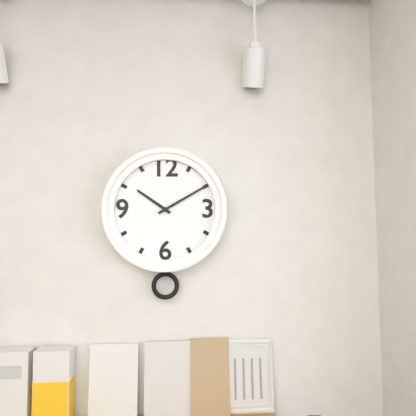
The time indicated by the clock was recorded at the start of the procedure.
10:10
